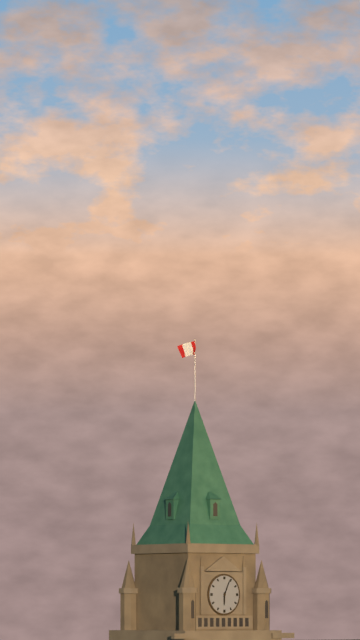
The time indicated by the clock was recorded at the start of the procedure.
6:04
